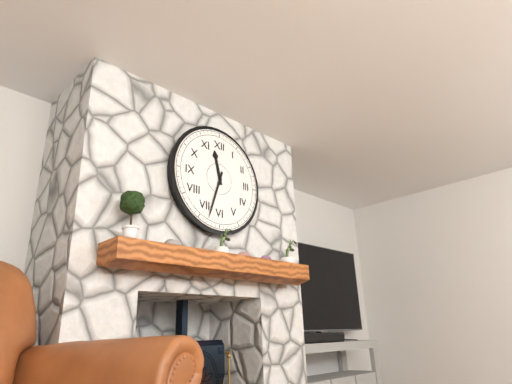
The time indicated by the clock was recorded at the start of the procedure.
11:33
